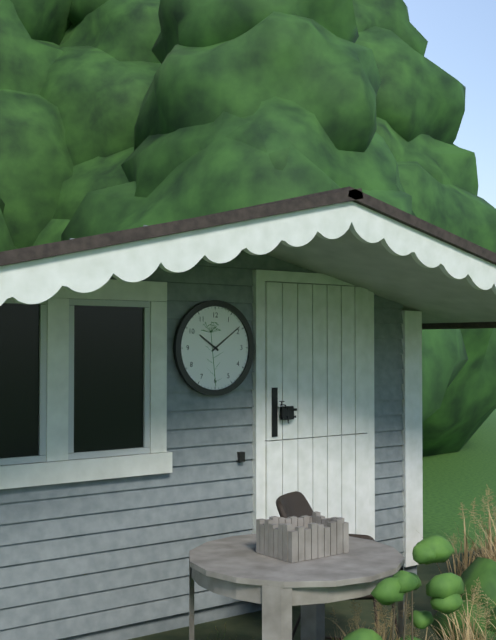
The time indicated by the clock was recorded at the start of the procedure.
10:09
